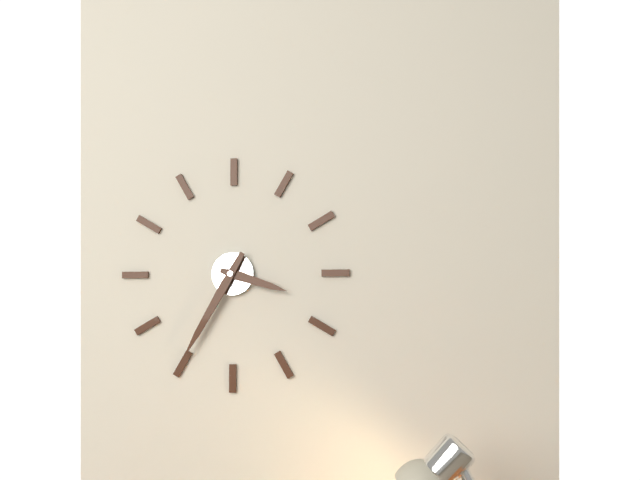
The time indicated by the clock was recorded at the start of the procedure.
3:35
